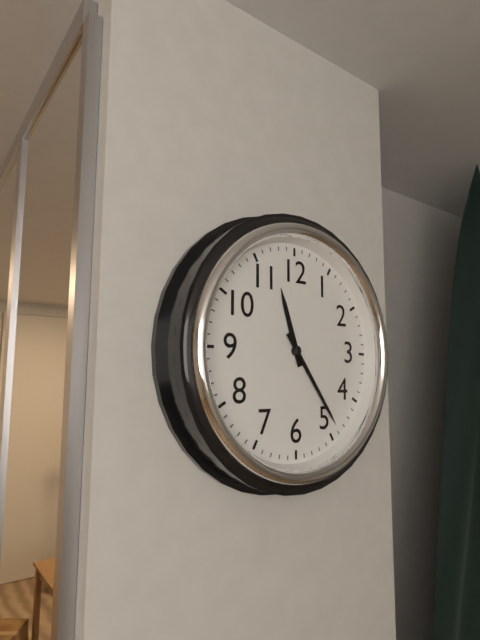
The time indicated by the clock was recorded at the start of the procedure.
11:24
